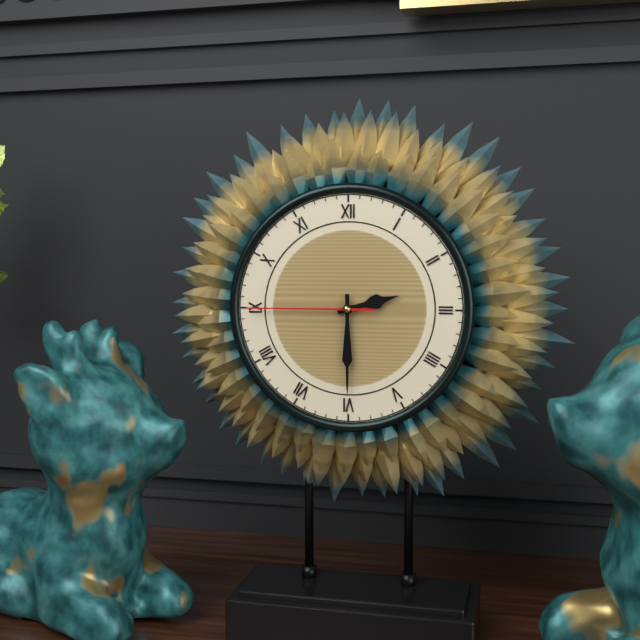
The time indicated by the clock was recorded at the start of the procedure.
2:30:45
